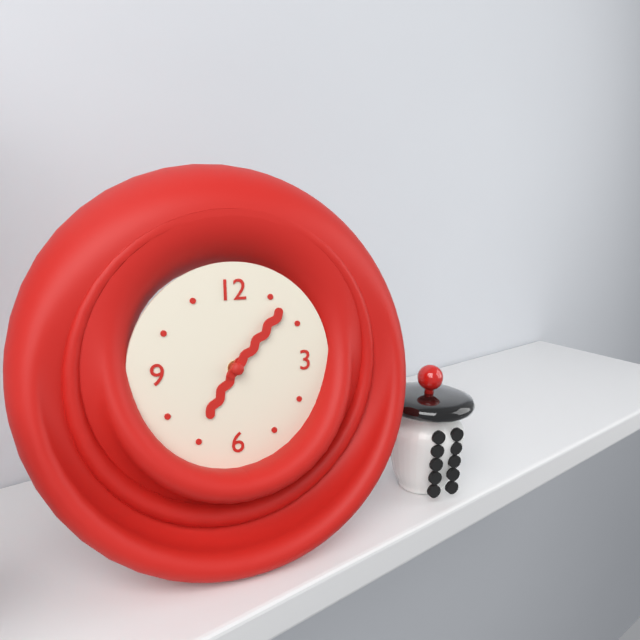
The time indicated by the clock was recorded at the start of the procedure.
7:07
